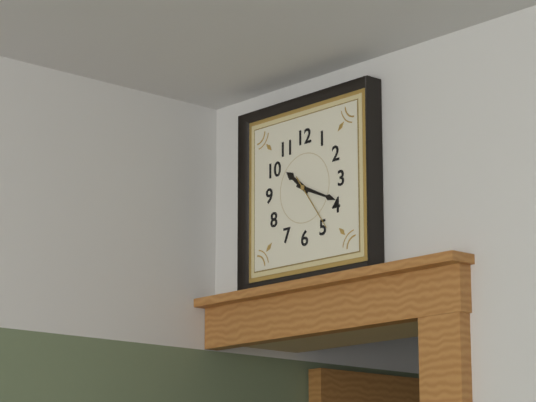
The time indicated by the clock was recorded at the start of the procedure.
10:19:24
